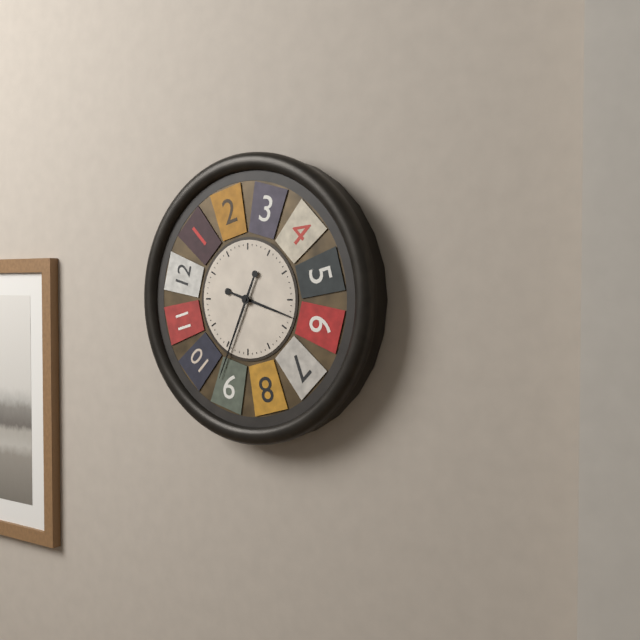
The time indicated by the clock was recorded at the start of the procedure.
3:34
